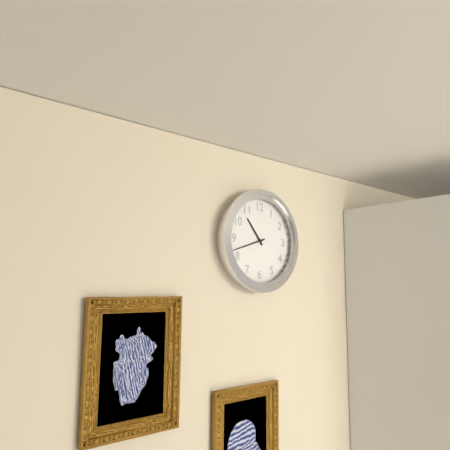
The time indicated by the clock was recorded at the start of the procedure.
10:42
